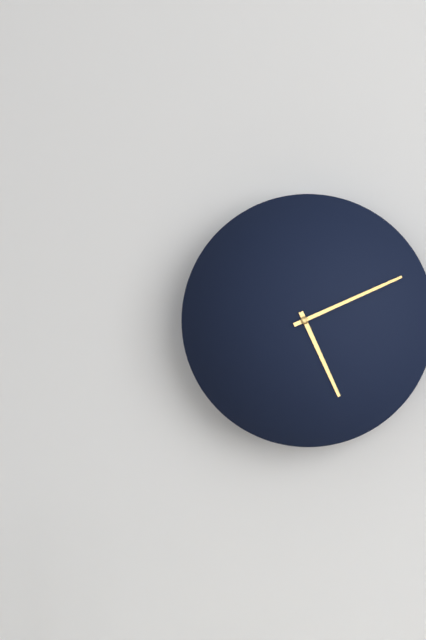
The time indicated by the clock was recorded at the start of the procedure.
5:11
